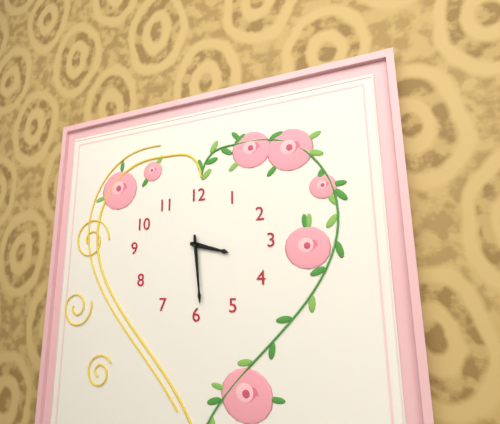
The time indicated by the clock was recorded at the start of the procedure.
3:29
